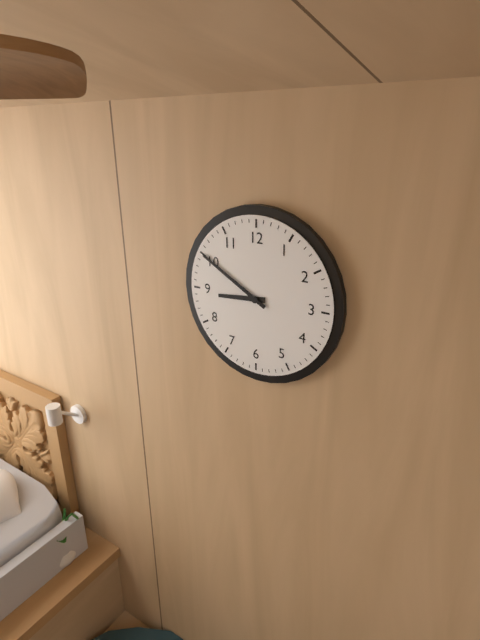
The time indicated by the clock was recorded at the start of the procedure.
8:50
